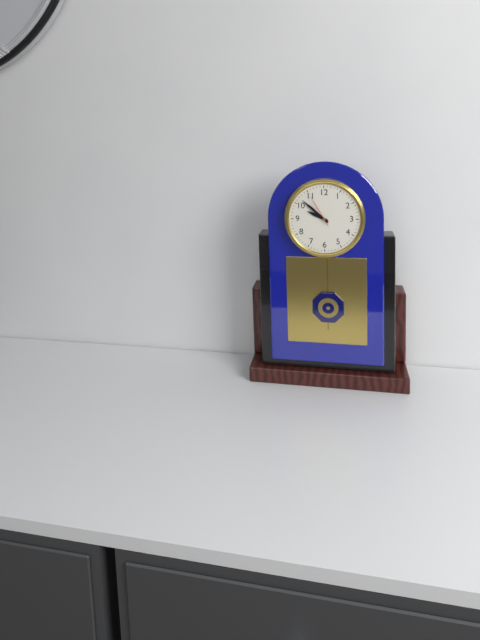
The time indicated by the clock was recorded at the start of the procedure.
9:52
